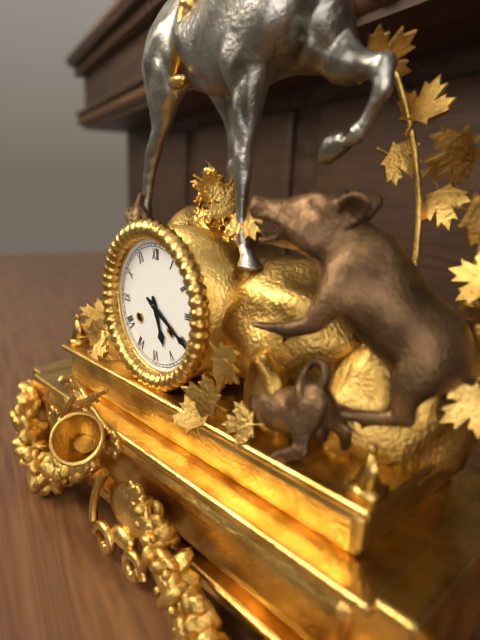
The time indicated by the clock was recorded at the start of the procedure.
5:20
